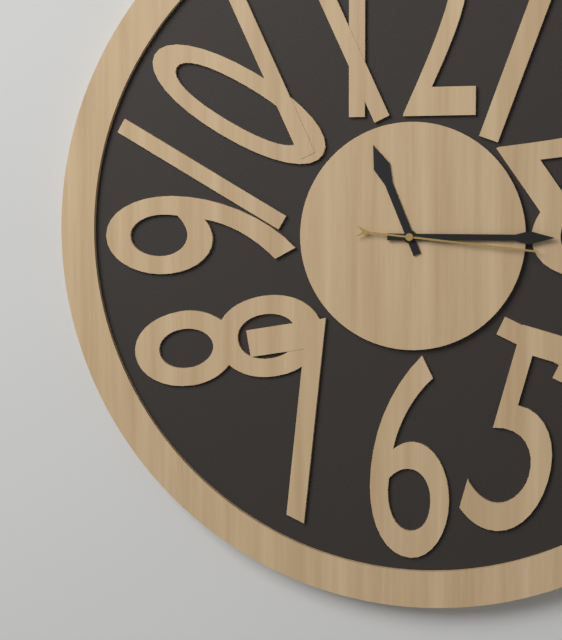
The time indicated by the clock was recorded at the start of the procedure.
11:15:16
